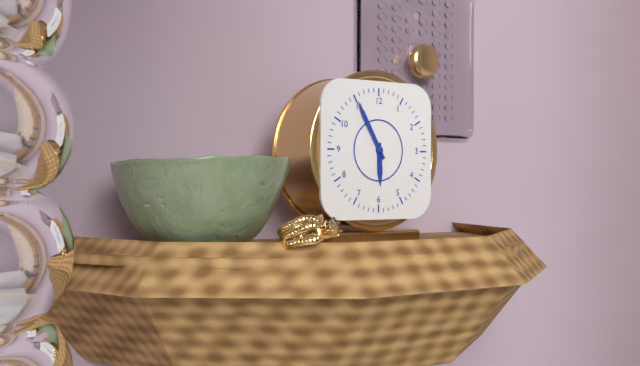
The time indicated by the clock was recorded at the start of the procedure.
5:55
